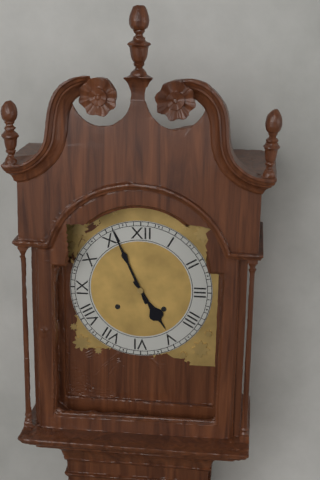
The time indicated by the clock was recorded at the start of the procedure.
4:56
